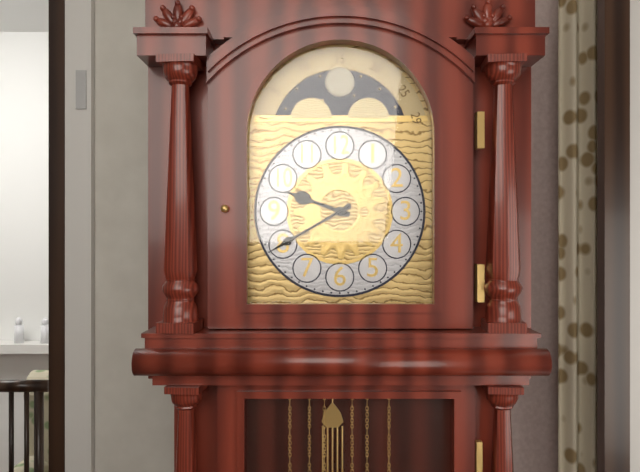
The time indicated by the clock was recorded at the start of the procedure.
9:40
